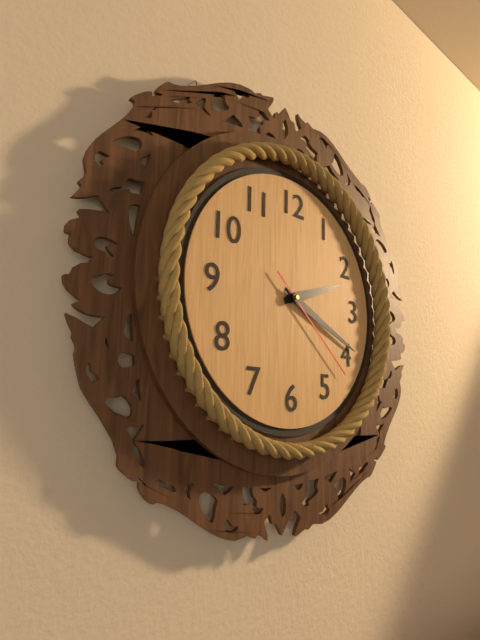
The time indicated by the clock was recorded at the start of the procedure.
2:19:22
